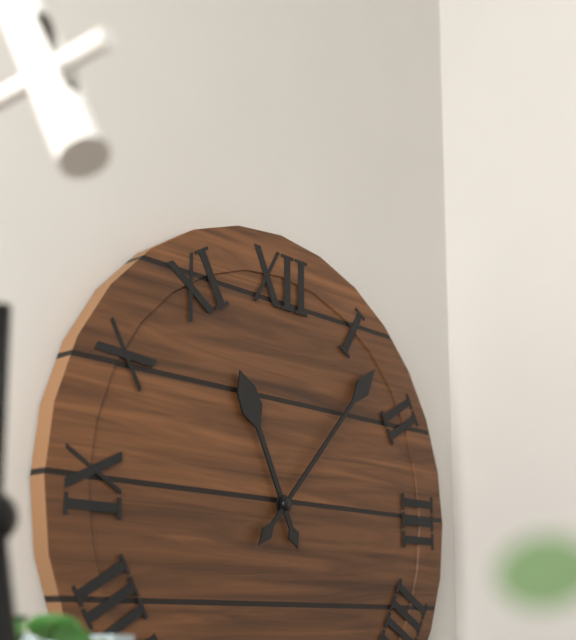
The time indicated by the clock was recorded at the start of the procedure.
11:07
